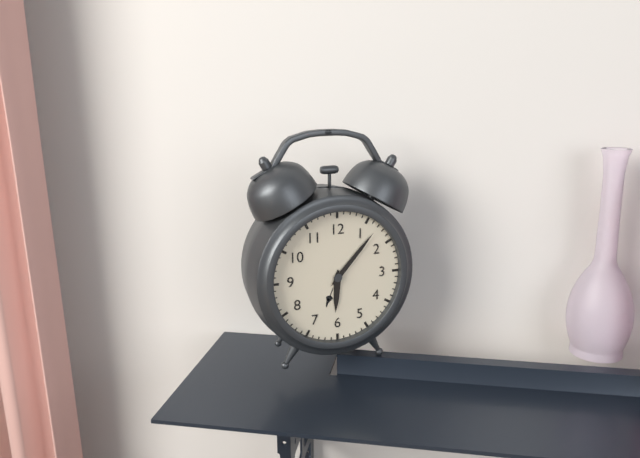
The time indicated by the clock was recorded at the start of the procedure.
6:07
